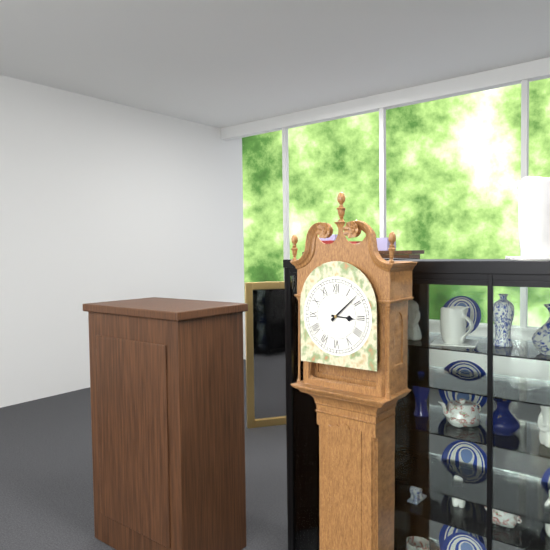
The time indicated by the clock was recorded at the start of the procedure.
3:08
